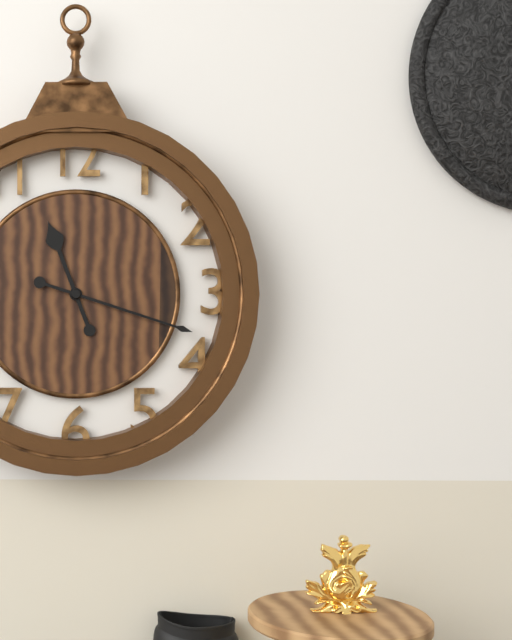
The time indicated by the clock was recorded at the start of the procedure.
11:18
